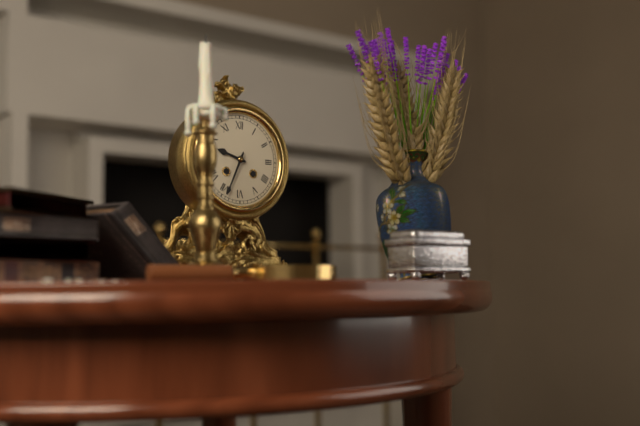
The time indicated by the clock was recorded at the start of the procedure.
9:34
